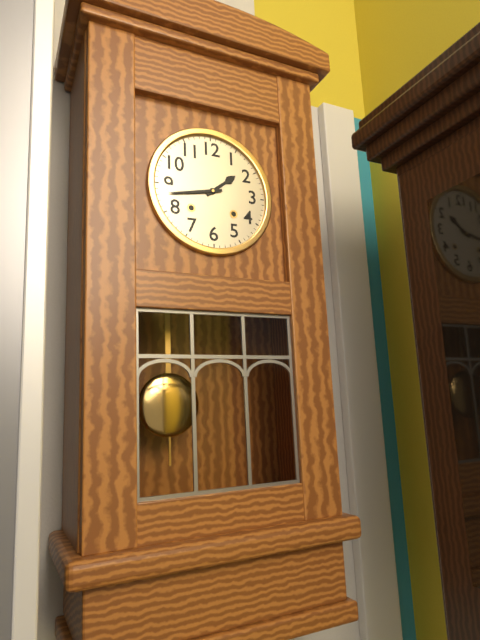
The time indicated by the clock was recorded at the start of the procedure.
1:43
